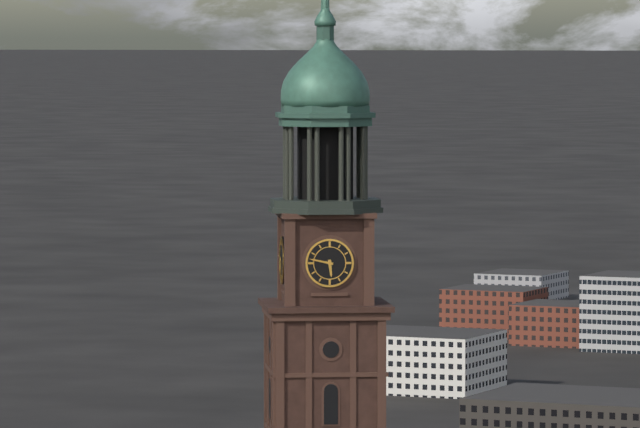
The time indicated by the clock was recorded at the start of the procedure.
5:47
